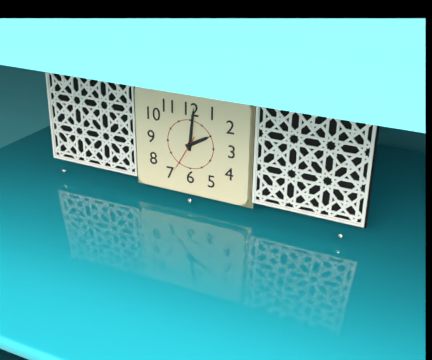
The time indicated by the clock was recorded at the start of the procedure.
2:01
